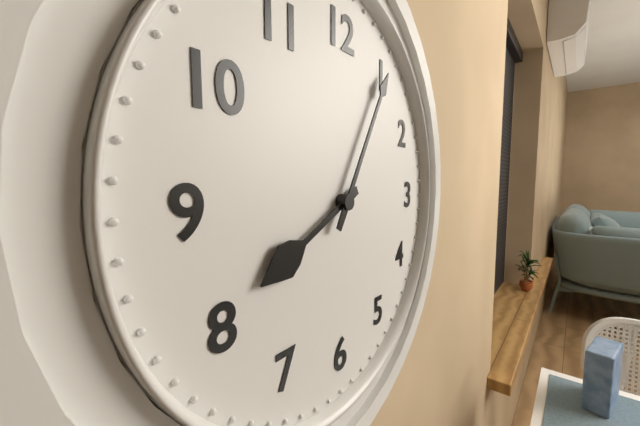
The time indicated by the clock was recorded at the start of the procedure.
8:05
